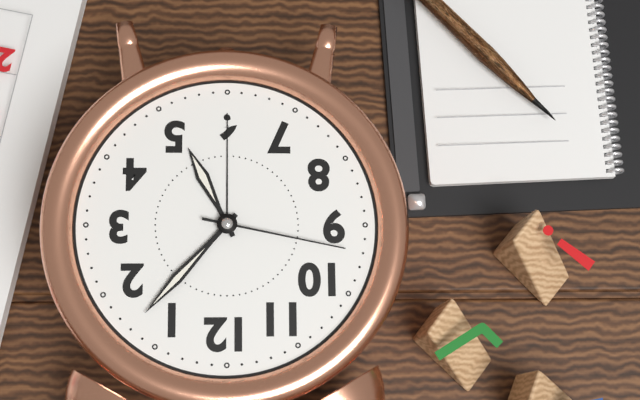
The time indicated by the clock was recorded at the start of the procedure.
5:07:47
